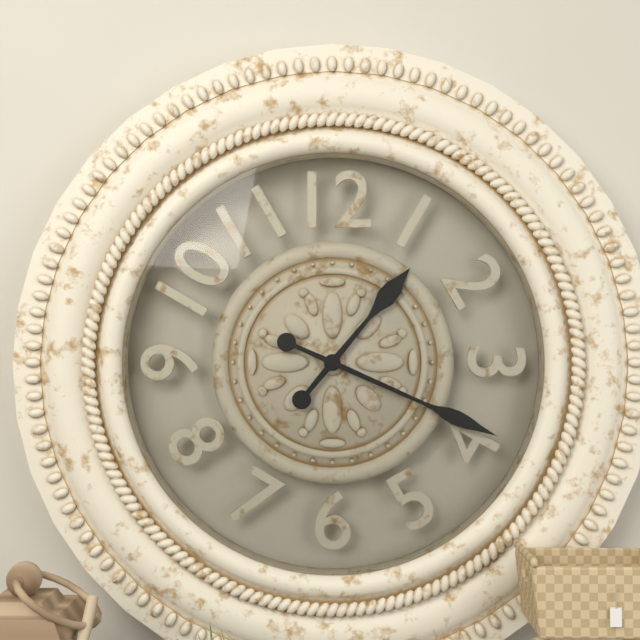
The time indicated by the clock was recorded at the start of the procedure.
1:19
